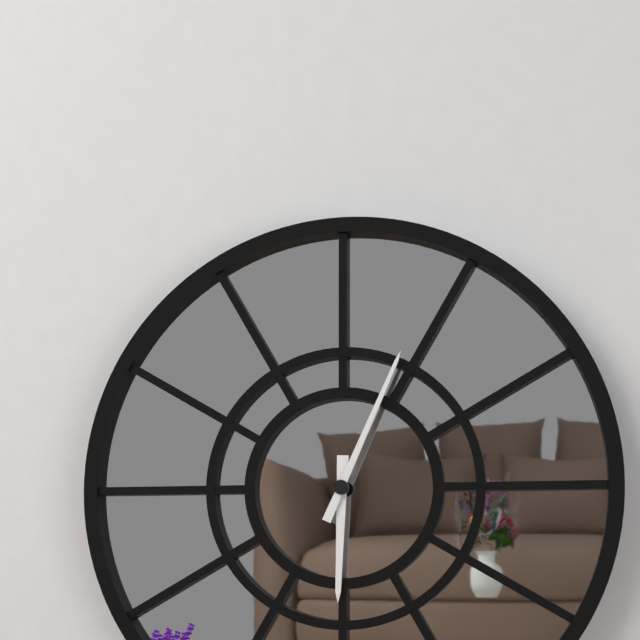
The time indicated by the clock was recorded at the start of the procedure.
6:04
